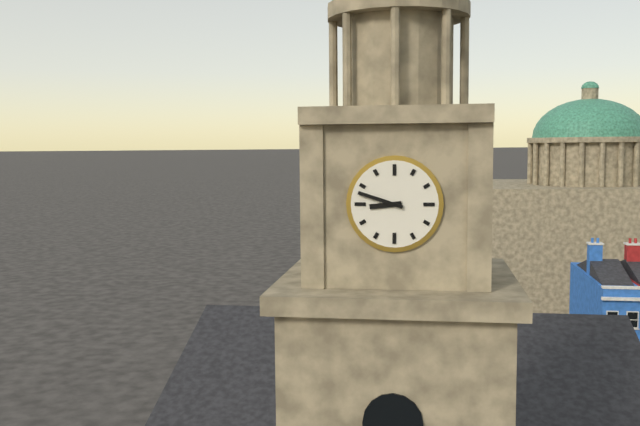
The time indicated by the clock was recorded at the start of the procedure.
8:48
